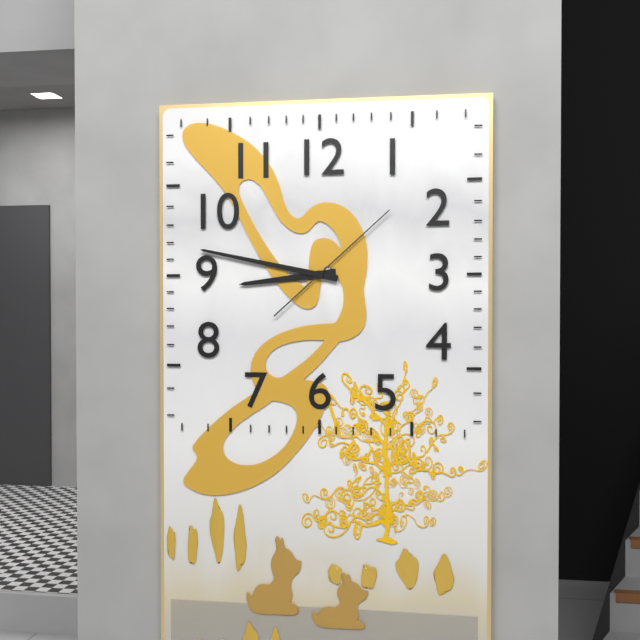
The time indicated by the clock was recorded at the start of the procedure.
8:47:08
